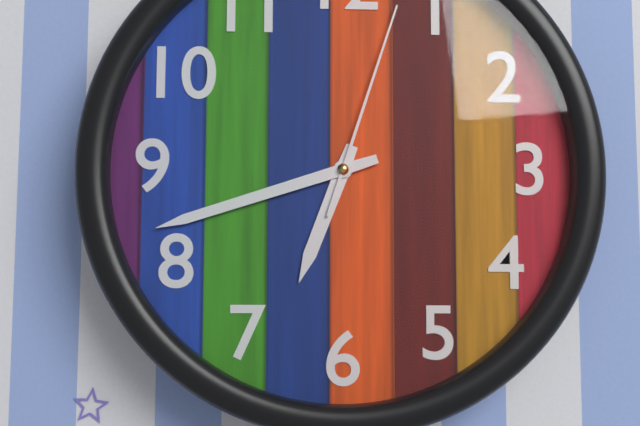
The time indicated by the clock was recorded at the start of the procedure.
6:42:03
